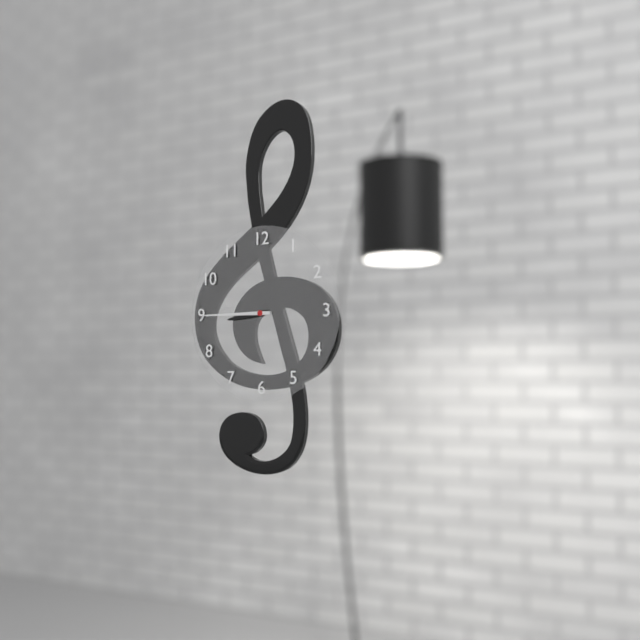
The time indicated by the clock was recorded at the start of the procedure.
8:45
